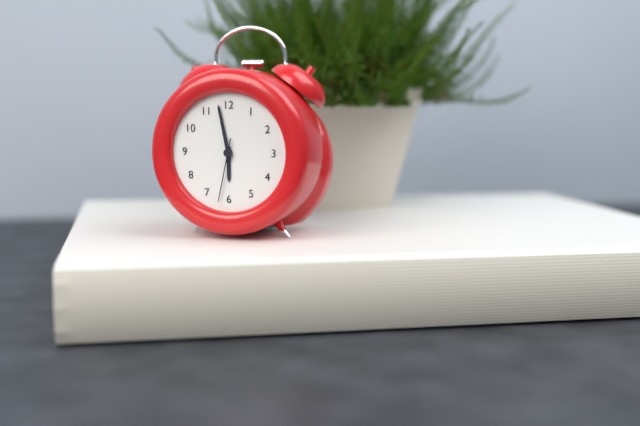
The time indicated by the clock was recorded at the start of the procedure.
5:58:32
